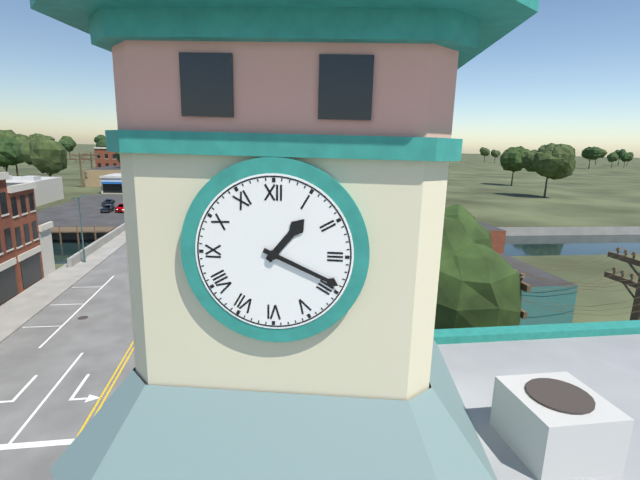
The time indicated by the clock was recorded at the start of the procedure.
1:19
